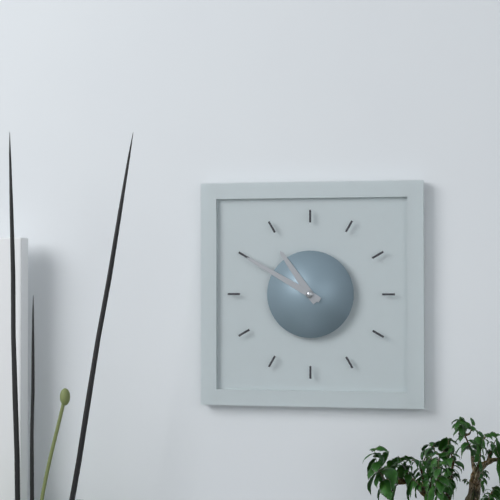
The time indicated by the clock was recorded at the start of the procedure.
10:50
